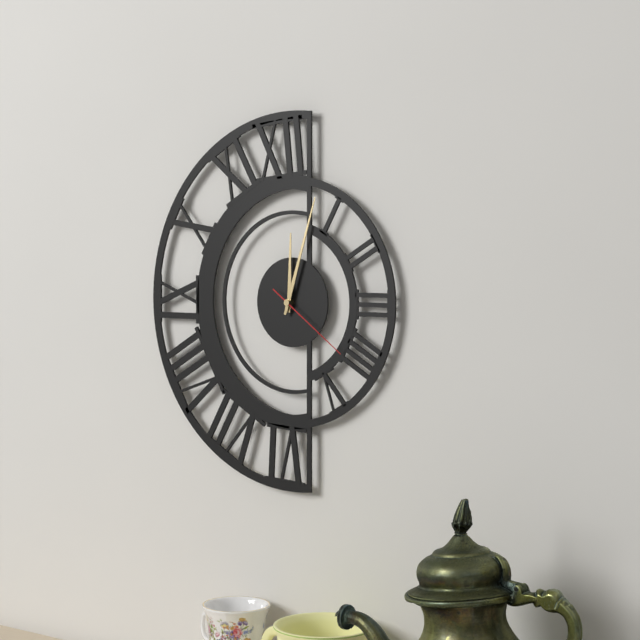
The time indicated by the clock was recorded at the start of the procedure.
12:03:21
